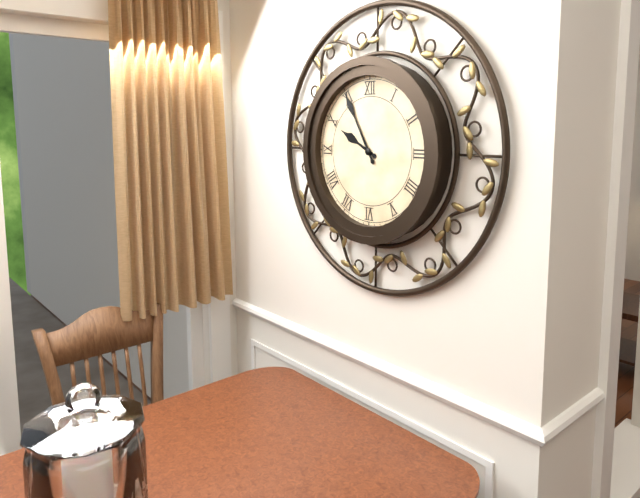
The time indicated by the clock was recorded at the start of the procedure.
9:55
